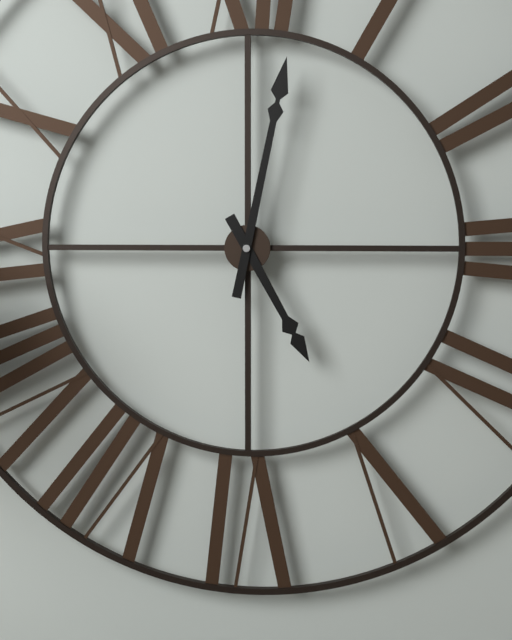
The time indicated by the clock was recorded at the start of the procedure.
5:02
